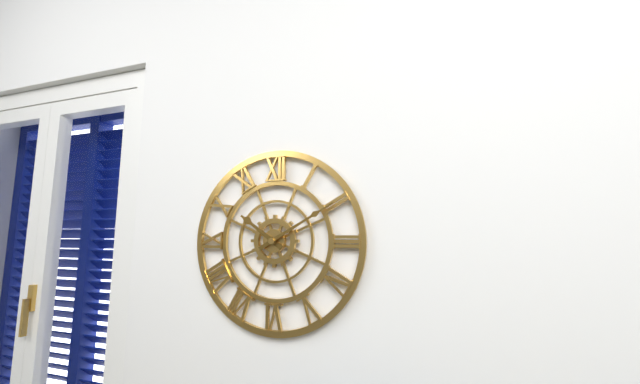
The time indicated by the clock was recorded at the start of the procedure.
10:10
